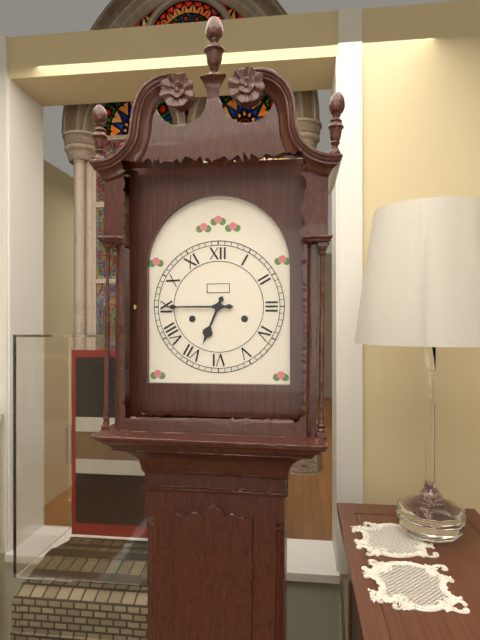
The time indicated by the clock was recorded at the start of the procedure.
6:45
